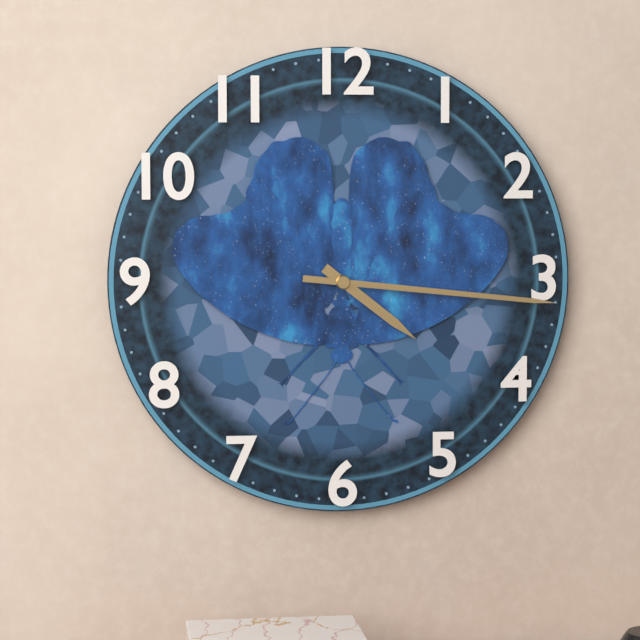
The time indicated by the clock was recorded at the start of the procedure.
4:16
